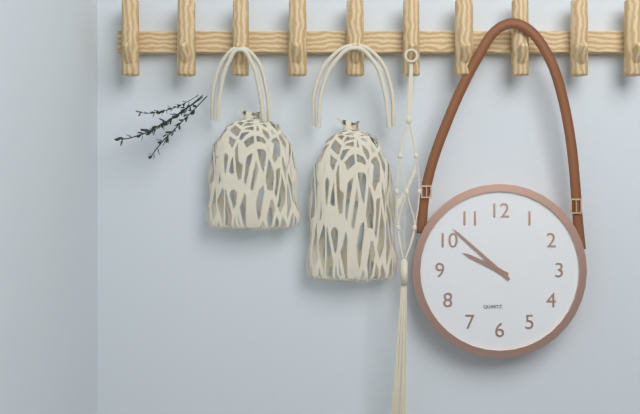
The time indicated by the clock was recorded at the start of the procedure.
9:52
